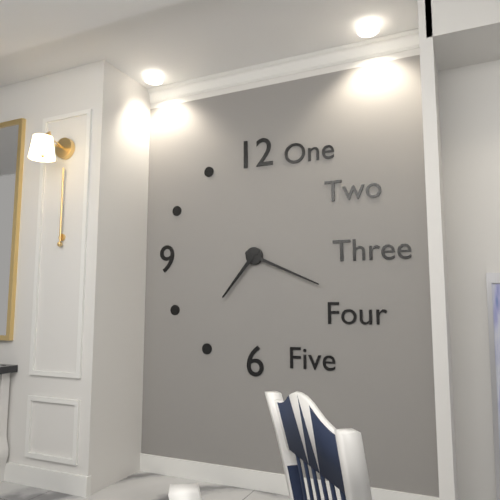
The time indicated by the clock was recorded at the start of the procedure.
7:19
